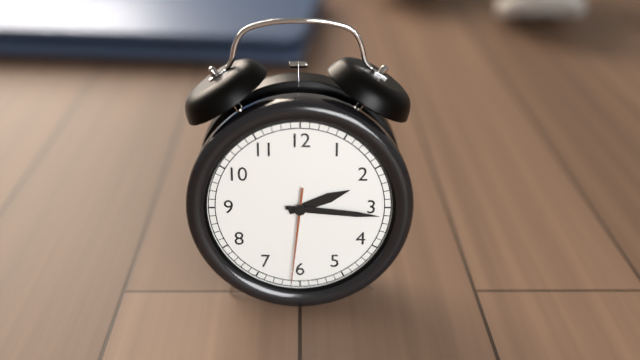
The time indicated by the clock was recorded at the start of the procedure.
2:16:31
